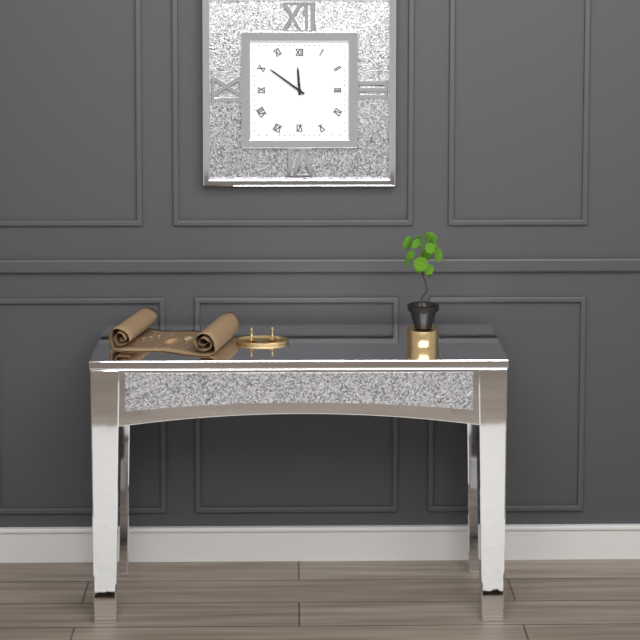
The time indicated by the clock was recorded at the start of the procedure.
11:51
